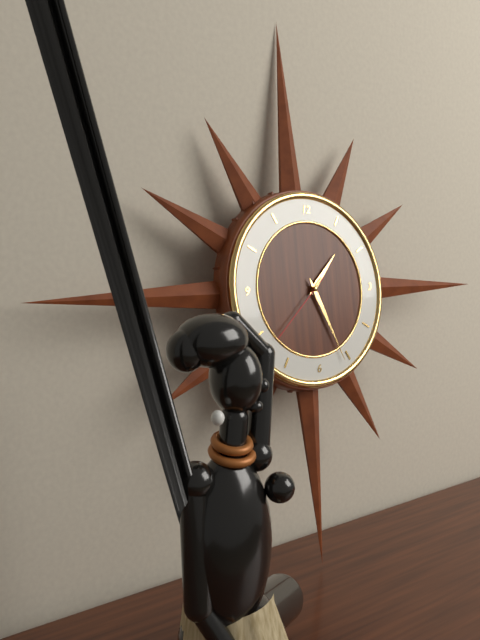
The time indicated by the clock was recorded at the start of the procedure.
1:26:38
